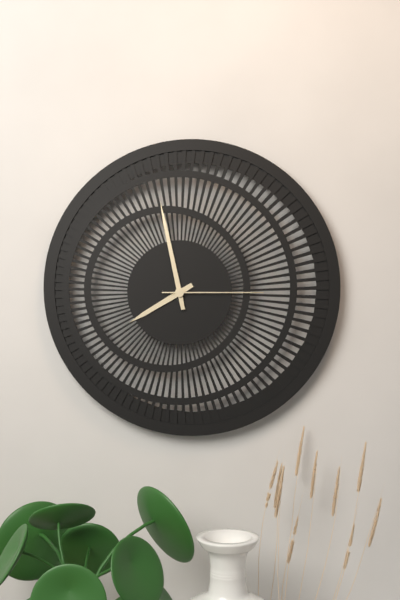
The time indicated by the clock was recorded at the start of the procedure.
7:58:15
